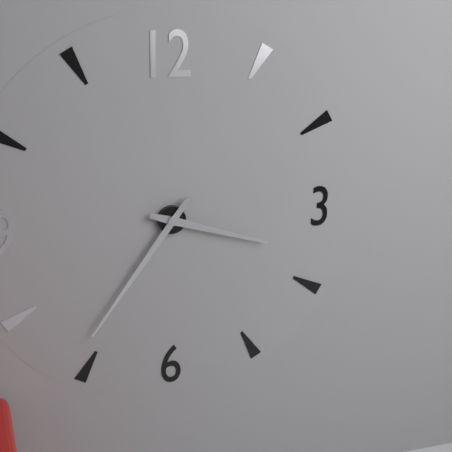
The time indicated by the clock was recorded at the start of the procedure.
3:36
